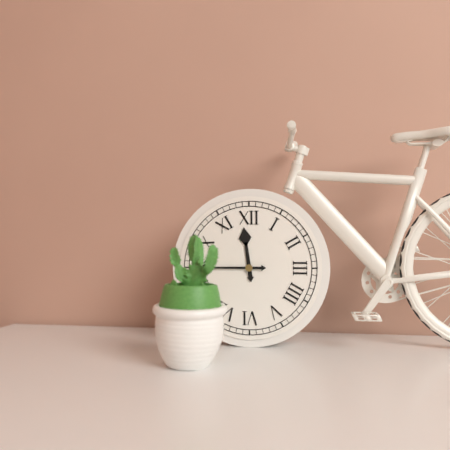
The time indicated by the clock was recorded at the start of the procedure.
11:45
